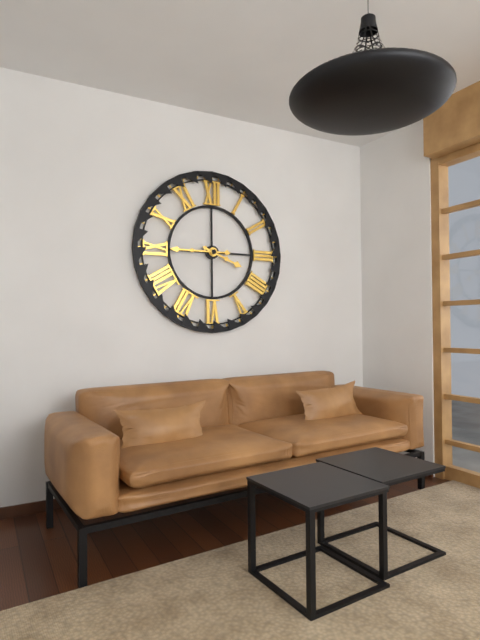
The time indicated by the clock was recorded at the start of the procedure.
3:45
